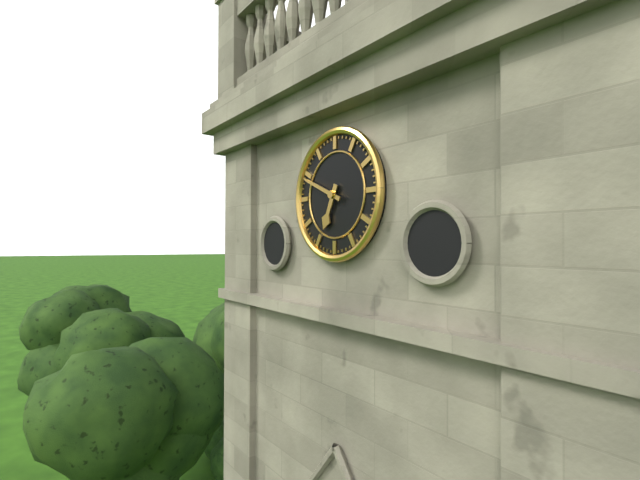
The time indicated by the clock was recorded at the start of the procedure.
6:49
